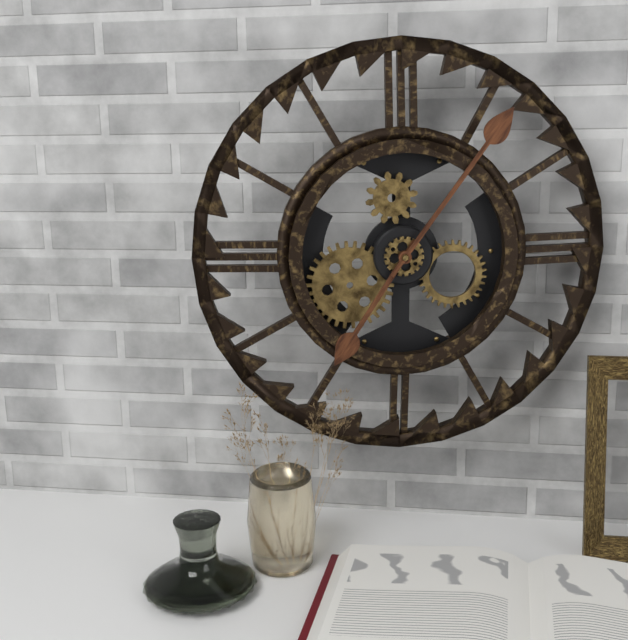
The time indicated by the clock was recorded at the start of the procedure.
7:06
